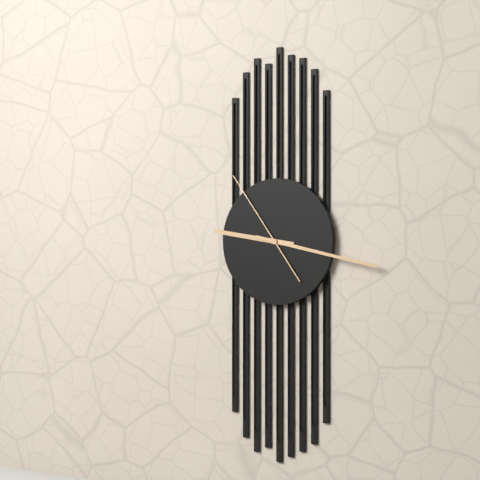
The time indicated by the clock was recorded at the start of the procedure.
9:17:54
